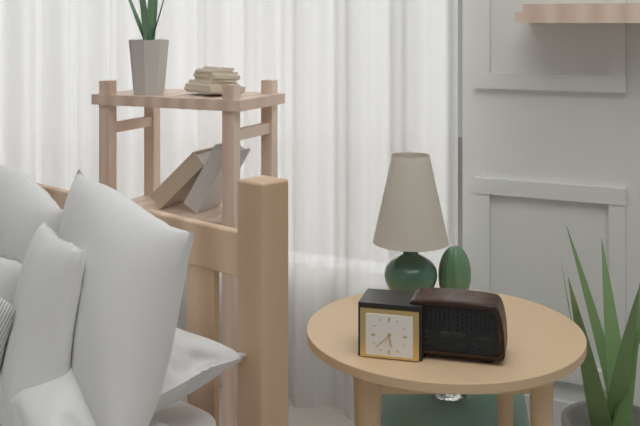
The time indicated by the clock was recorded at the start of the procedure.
5:38
